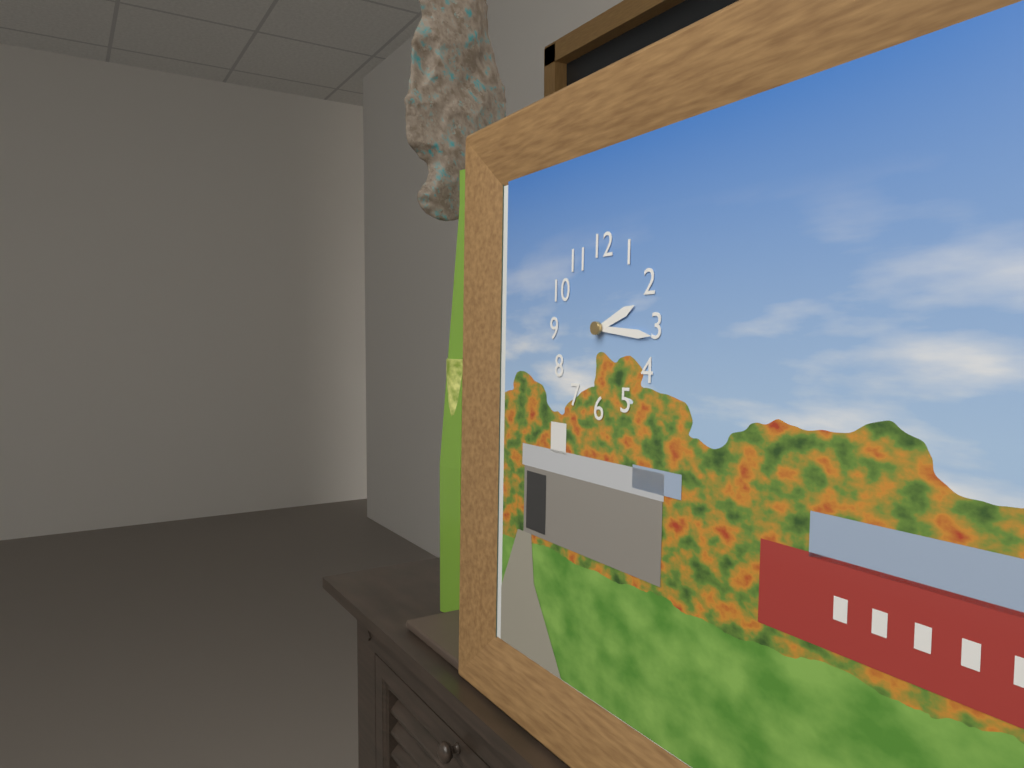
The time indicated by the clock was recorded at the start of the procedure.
2:16
